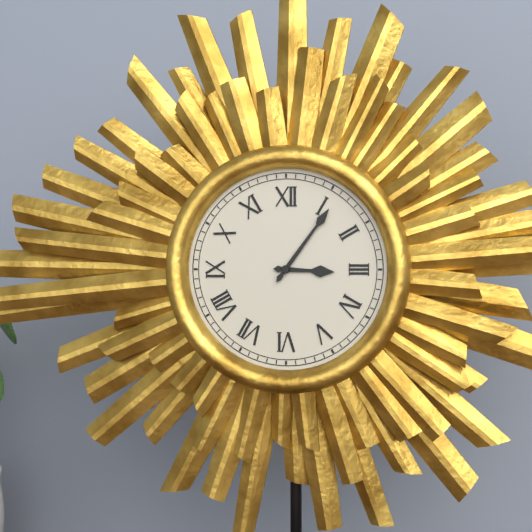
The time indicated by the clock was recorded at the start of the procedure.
3:06
